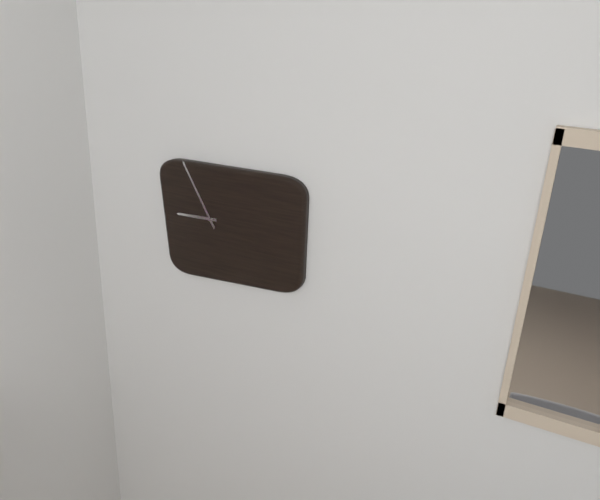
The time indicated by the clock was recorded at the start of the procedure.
8:55
